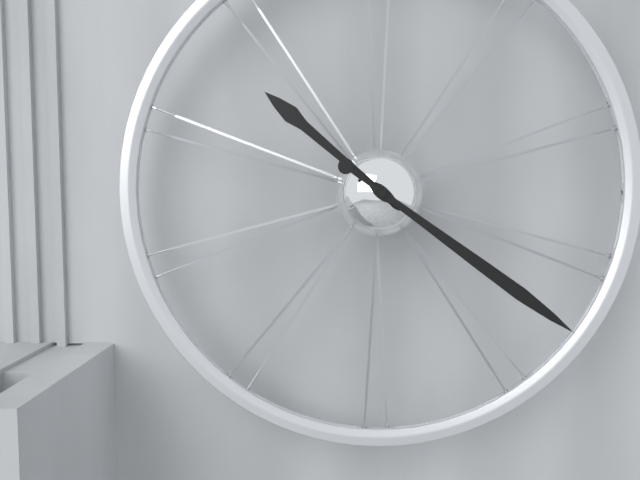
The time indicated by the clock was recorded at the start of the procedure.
10:21
